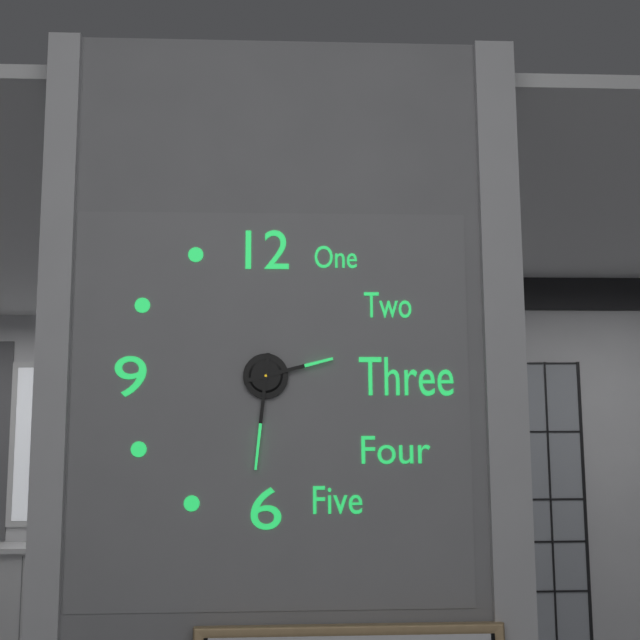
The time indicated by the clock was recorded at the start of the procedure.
2:31
